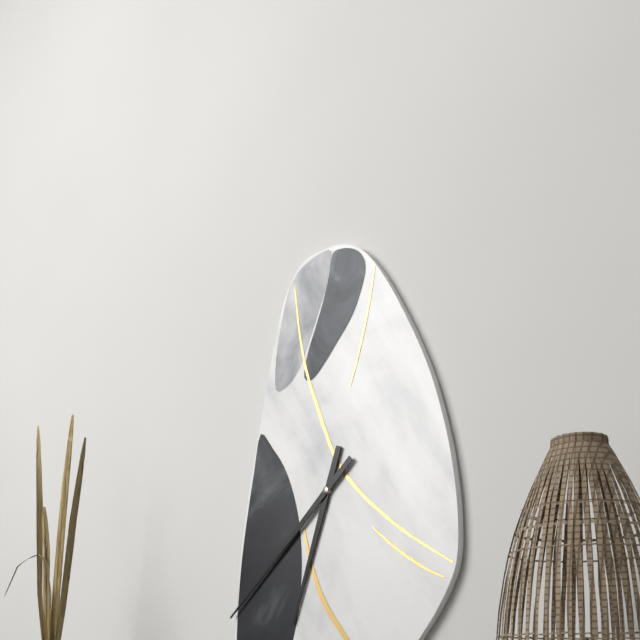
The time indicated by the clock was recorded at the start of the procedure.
6:38
